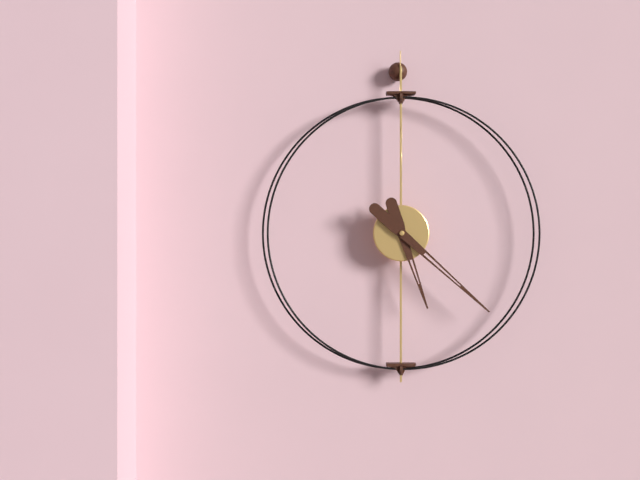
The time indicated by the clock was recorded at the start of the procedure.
5:22
